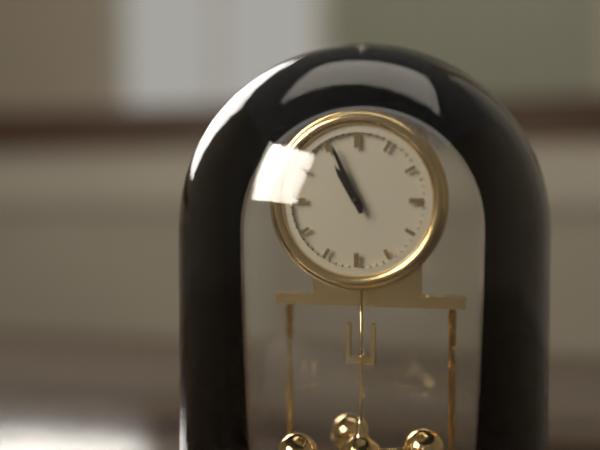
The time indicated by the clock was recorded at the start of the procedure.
10:56
